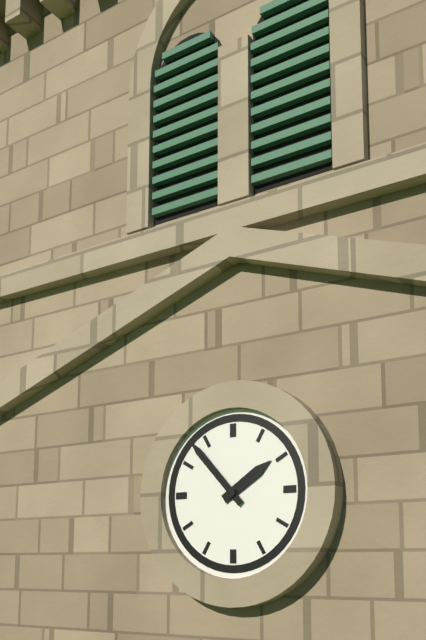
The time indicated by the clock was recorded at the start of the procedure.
1:53
